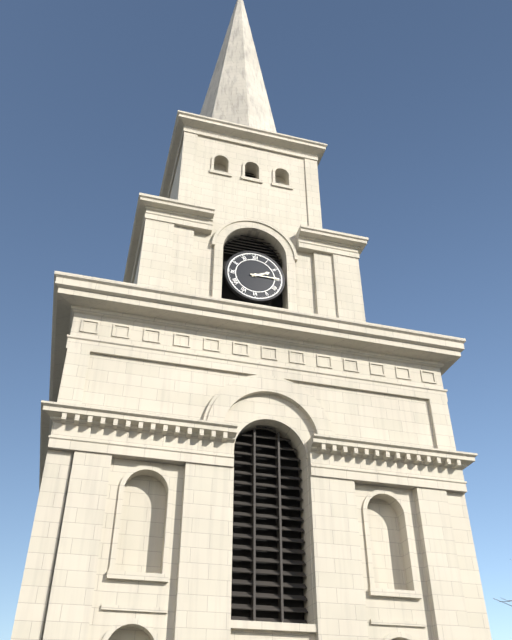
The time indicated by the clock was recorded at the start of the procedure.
2:15
